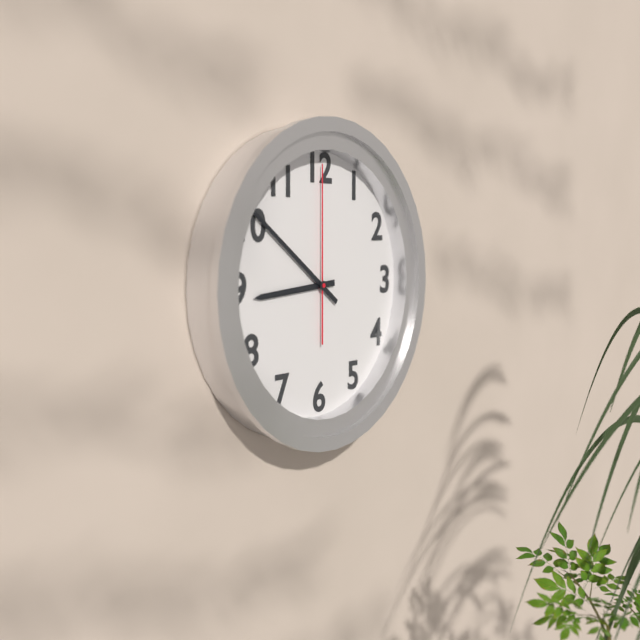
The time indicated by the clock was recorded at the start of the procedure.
8:51:00
